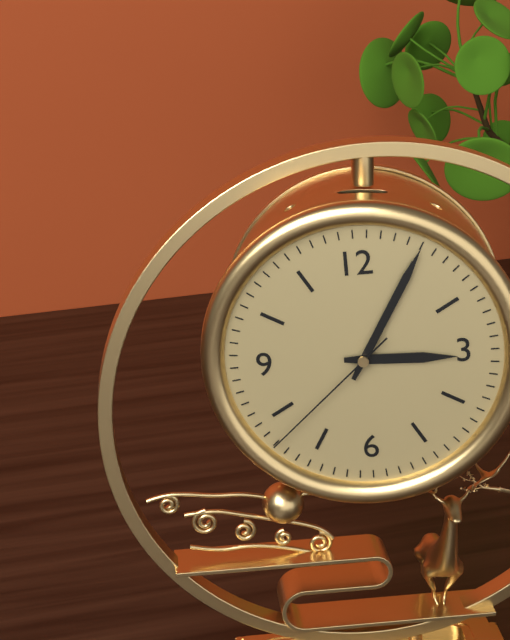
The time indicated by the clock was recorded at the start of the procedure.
3:05:38
